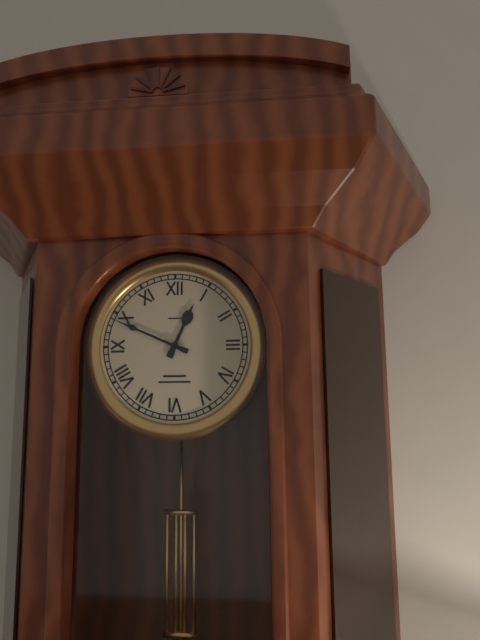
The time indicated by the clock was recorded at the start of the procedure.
12:49
